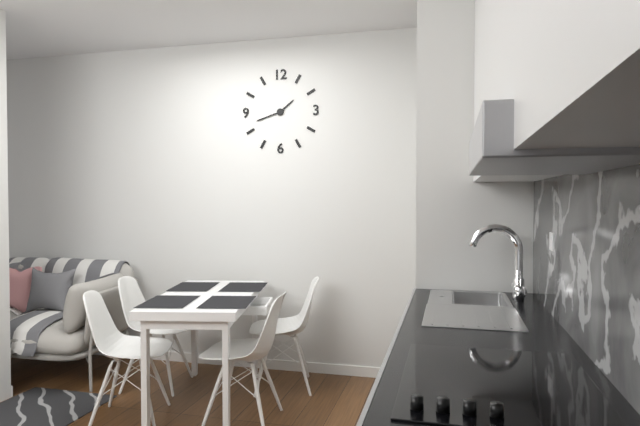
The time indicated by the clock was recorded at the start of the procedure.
1:42
